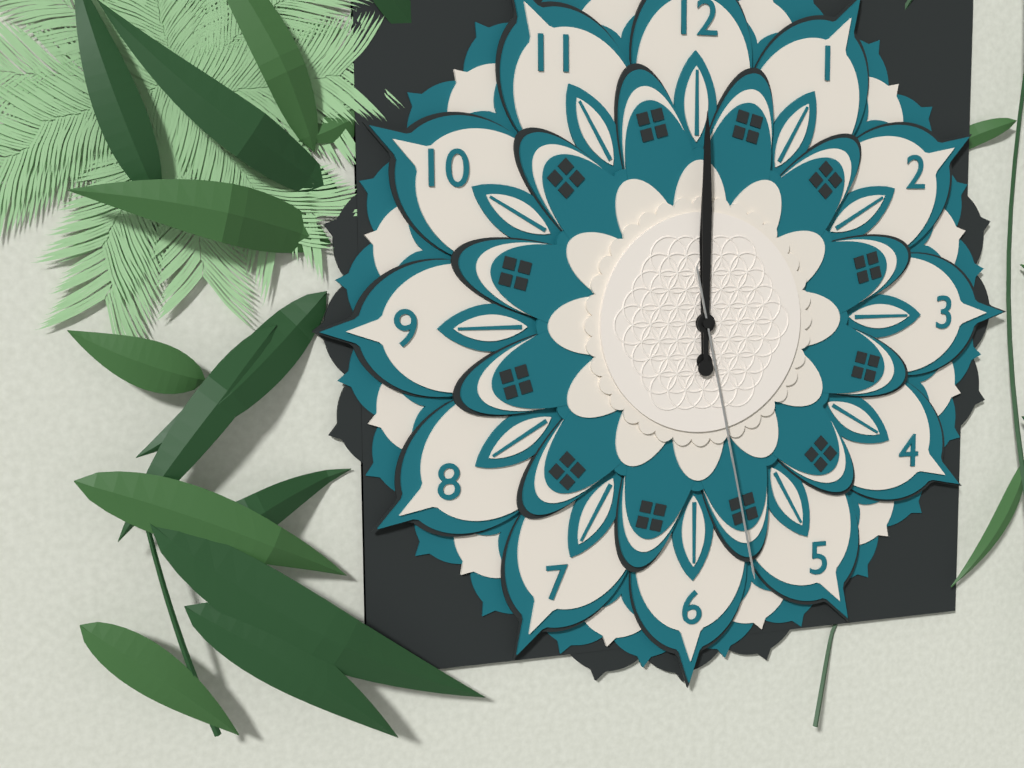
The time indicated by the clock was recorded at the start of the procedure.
12:00:28
